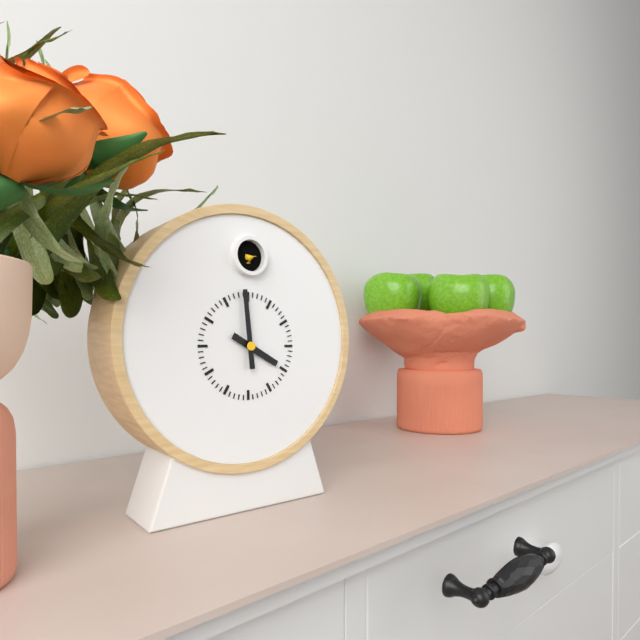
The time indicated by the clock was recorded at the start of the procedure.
3:59
